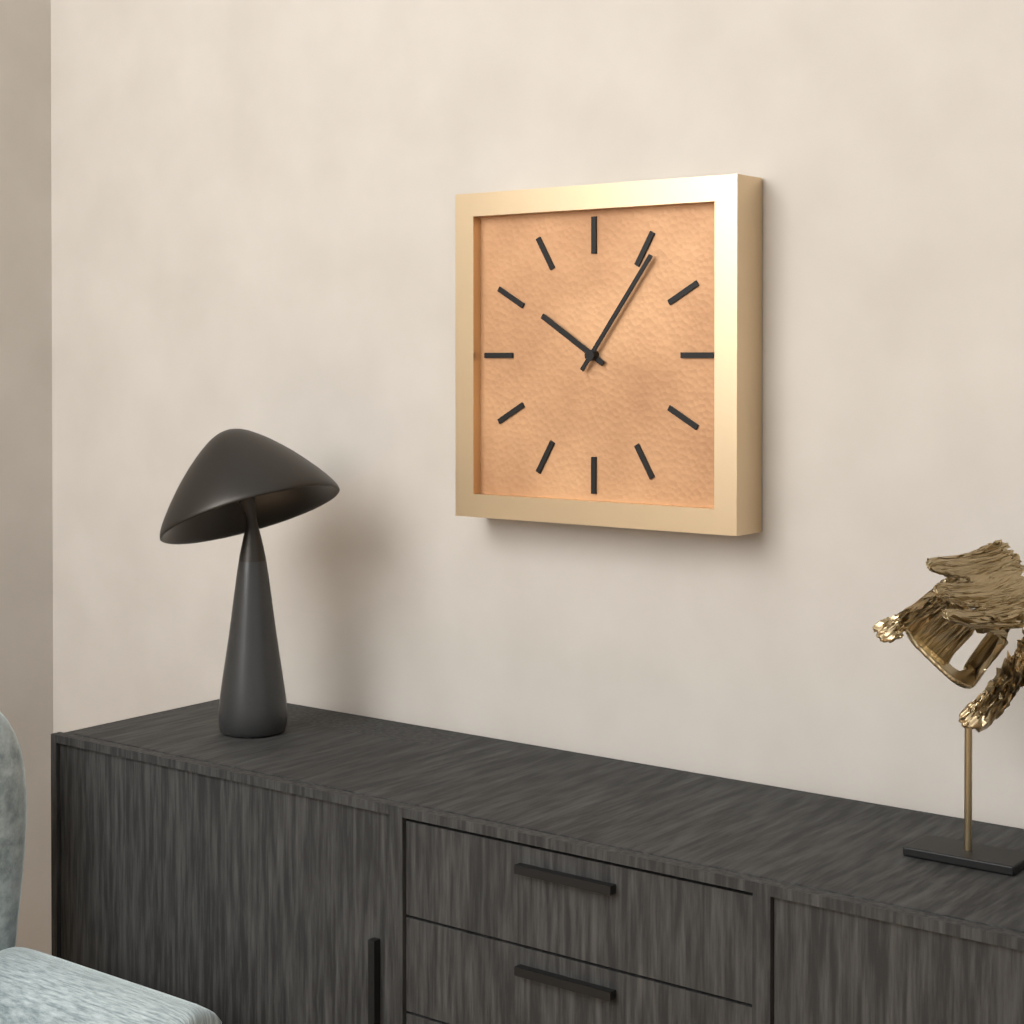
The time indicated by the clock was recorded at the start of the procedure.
10:06
